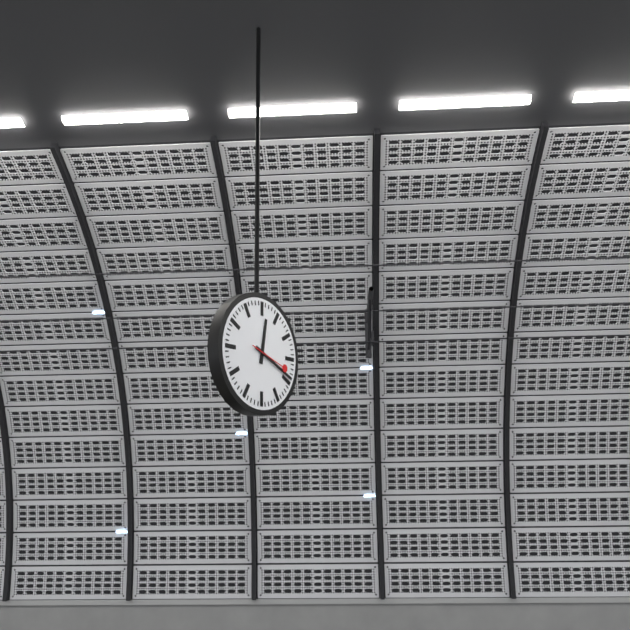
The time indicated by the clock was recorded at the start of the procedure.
12:19
